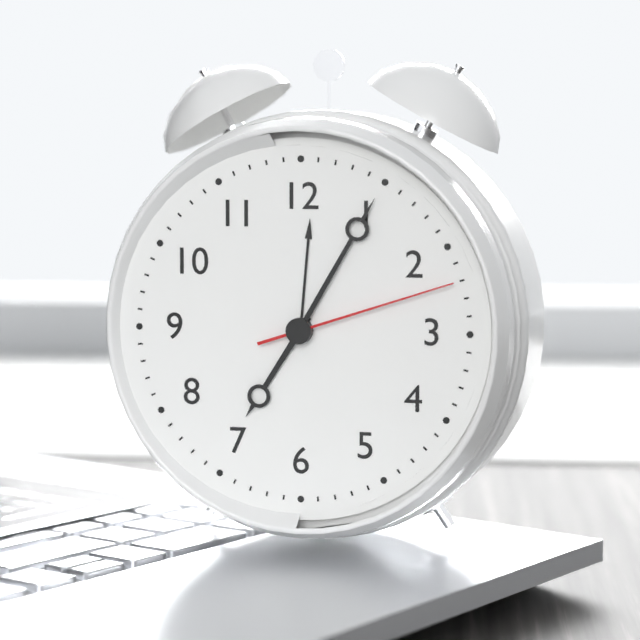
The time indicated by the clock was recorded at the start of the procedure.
7:05:12
